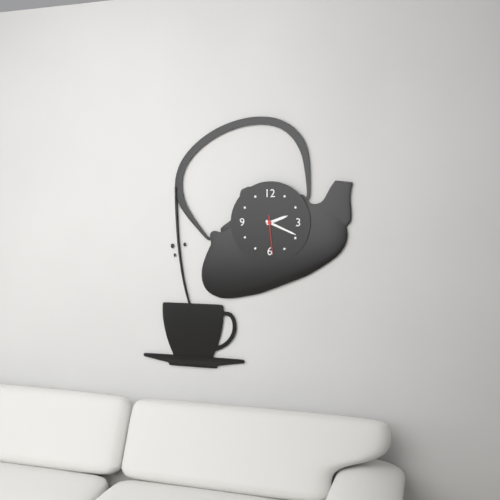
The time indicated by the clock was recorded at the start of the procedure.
2:19
